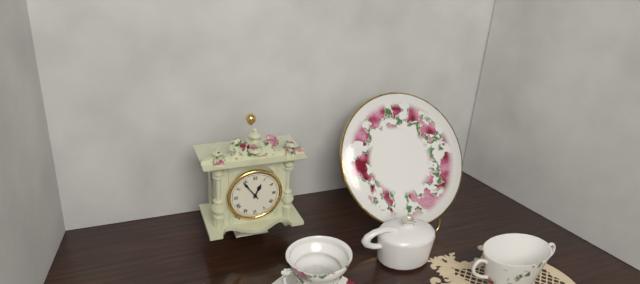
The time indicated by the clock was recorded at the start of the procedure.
12:54
